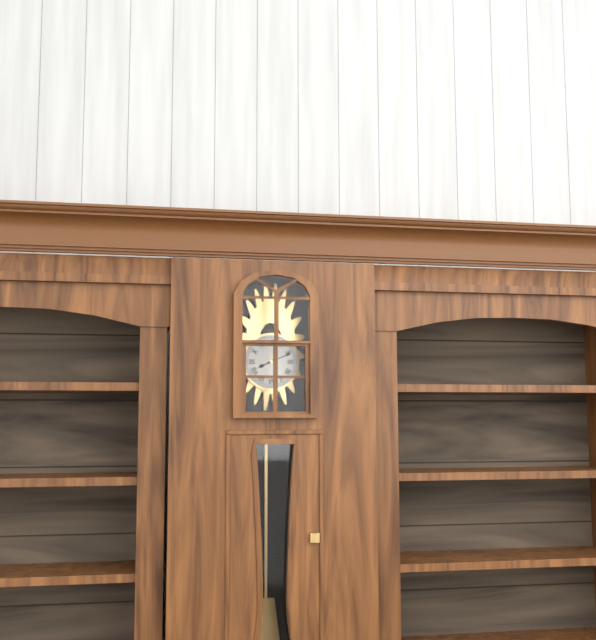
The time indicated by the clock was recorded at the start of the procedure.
8:11
